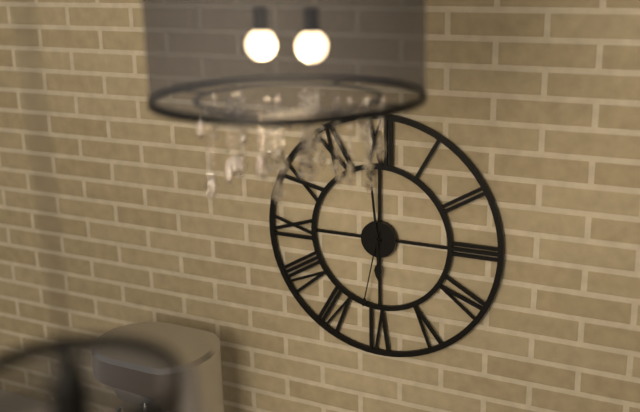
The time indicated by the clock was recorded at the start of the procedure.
5:59:32
